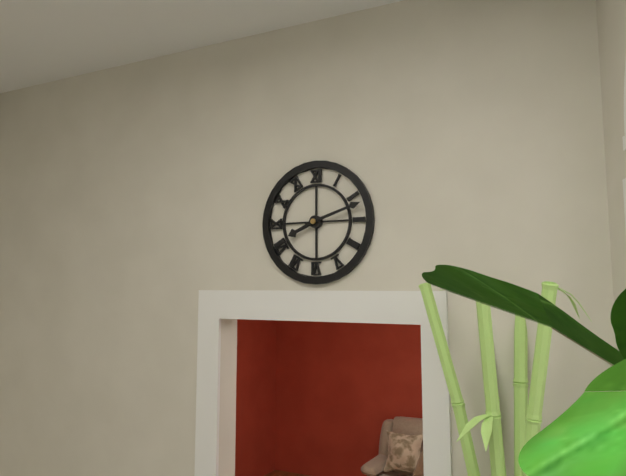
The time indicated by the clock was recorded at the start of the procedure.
8:12
